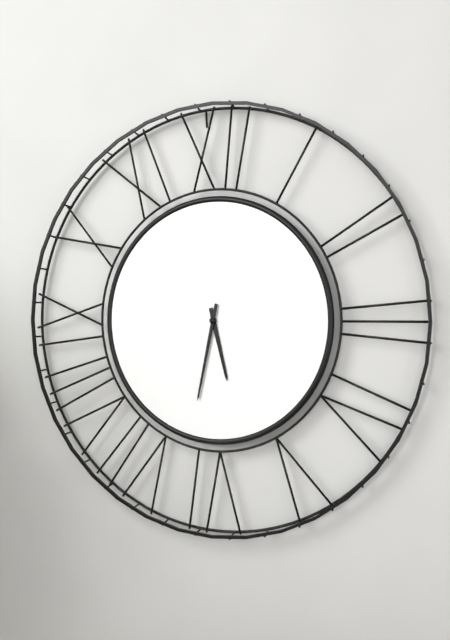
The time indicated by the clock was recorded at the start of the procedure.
5:32
